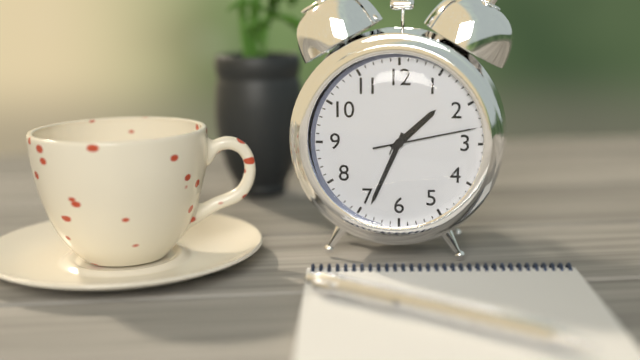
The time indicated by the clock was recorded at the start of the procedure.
1:34:13
